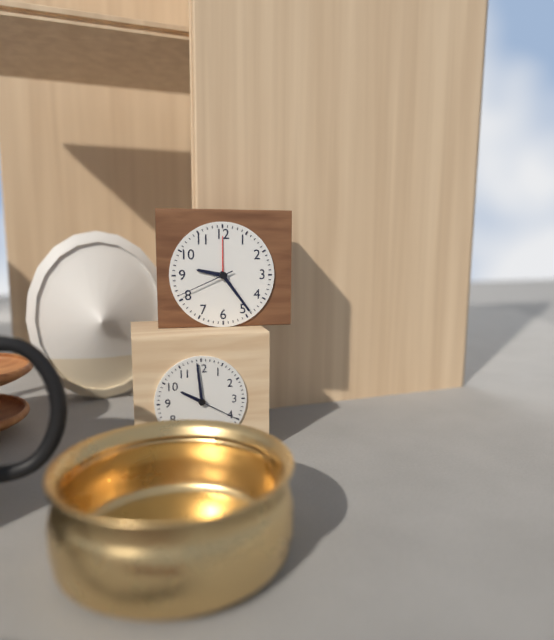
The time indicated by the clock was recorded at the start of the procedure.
9:24:41
